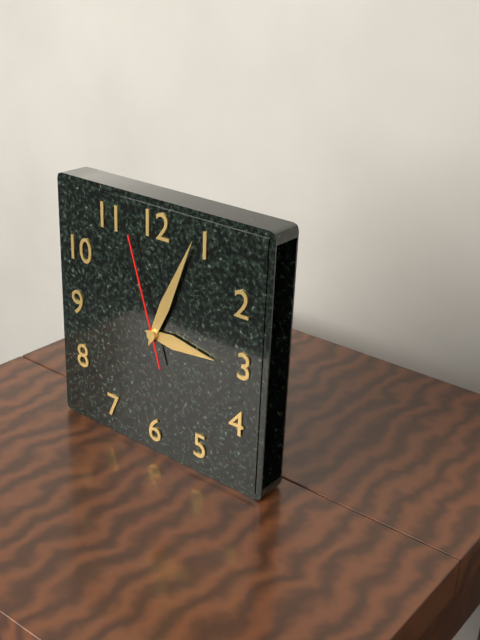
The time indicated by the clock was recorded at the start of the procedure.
3:04:57
